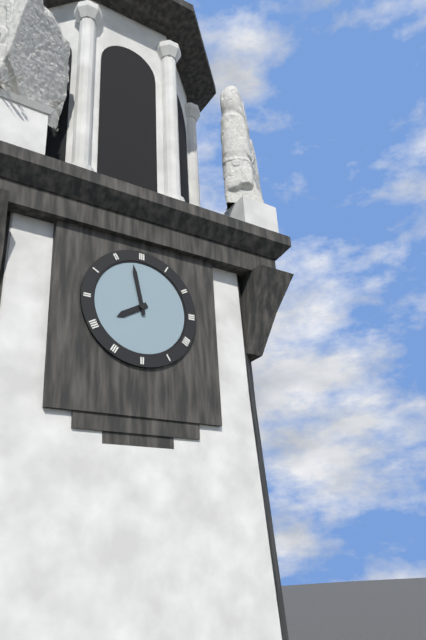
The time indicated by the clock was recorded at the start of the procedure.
7:58
